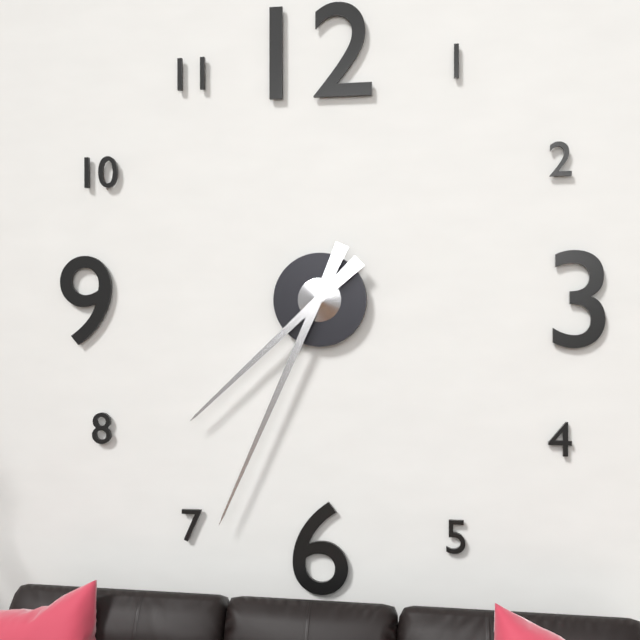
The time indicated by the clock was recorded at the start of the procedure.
7:34
